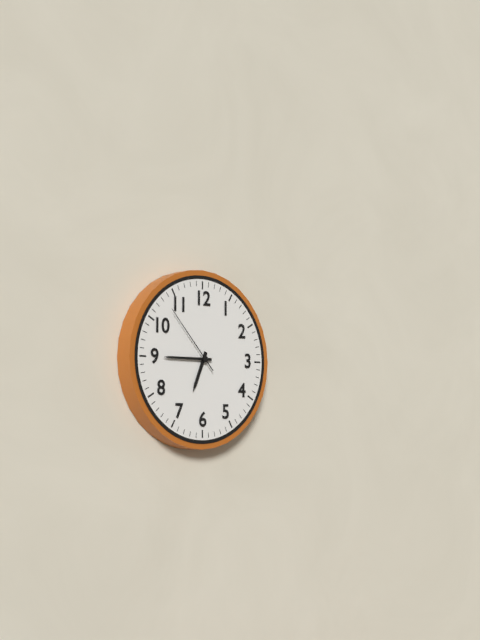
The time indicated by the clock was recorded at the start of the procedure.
6:45:53
